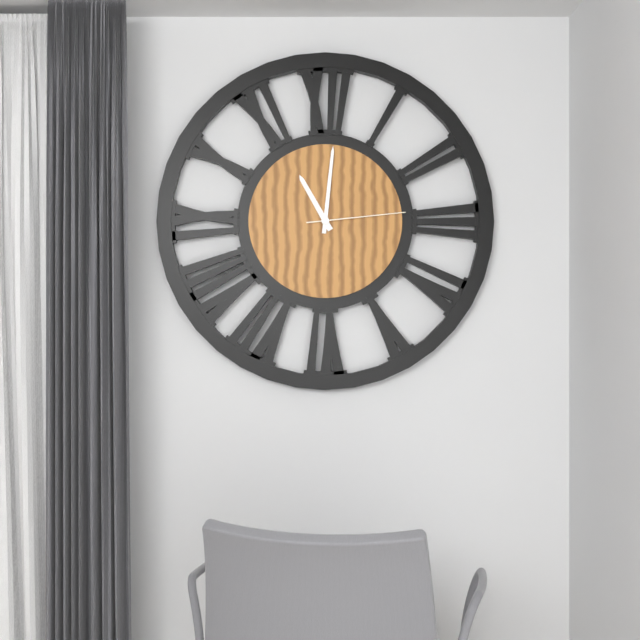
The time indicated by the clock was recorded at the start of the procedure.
11:01:14
